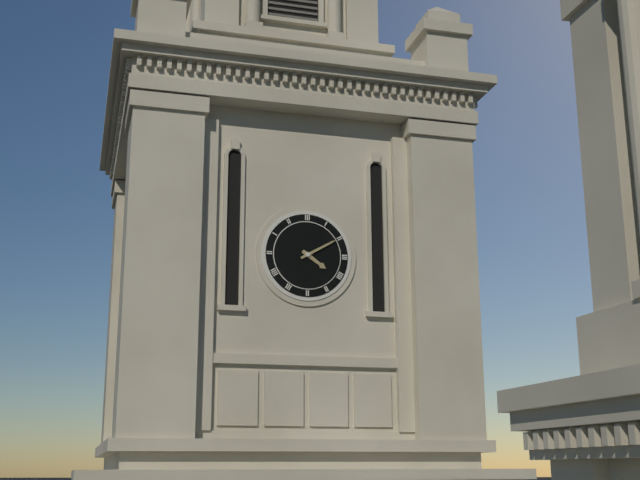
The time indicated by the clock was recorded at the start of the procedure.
4:10
